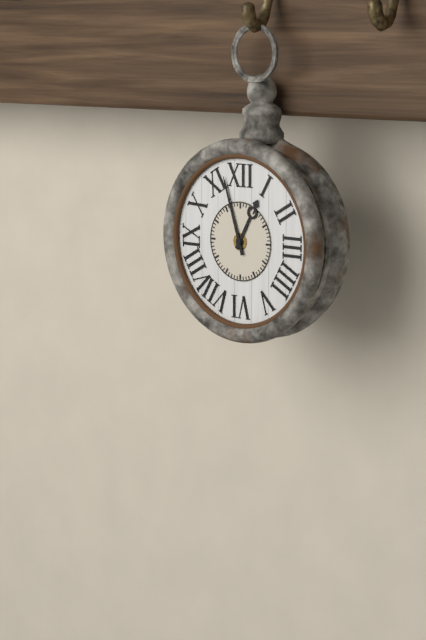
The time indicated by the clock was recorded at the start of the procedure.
12:57
